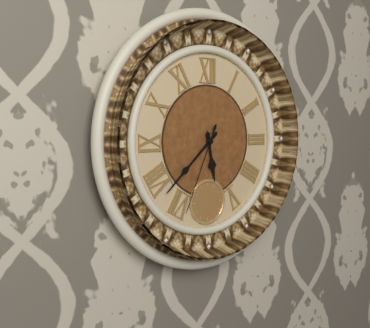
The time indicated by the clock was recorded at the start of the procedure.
5:38:34
